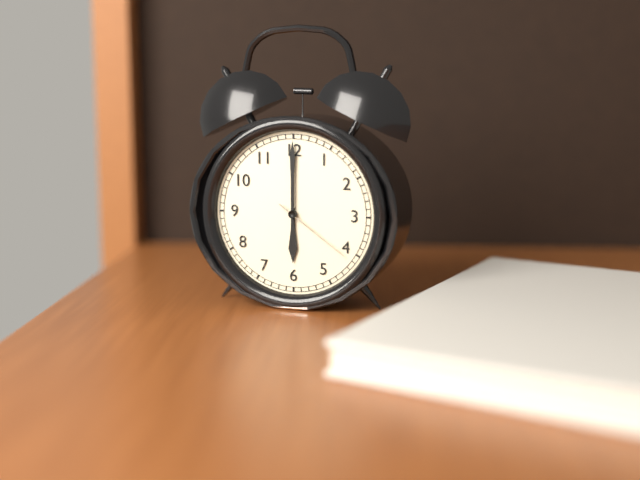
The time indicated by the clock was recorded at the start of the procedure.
6:00:21
